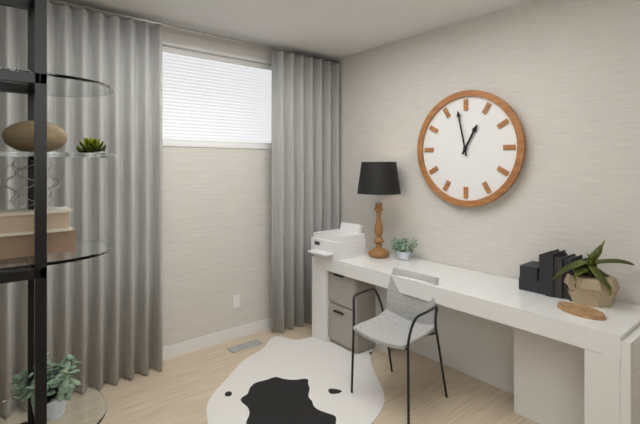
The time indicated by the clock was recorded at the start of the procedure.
12:58
